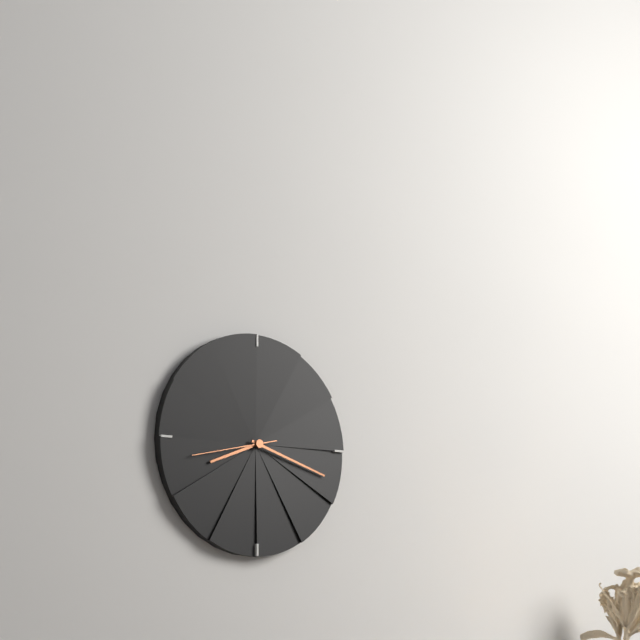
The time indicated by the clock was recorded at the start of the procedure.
8:18:43
